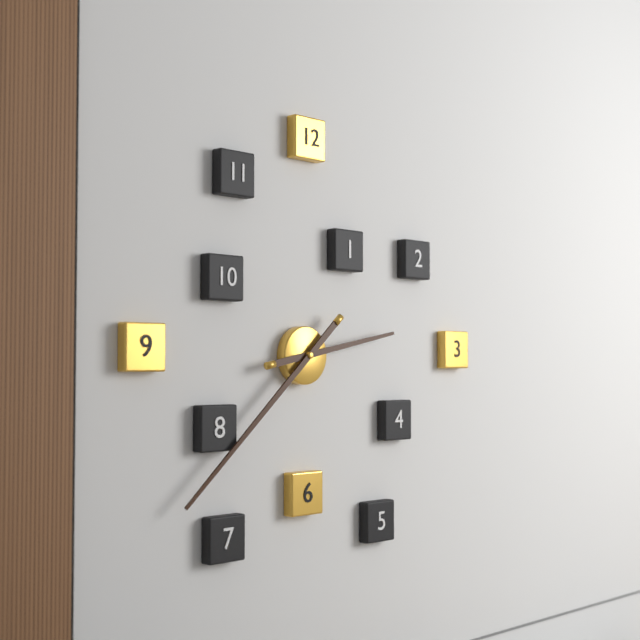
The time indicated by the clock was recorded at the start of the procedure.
2:38
